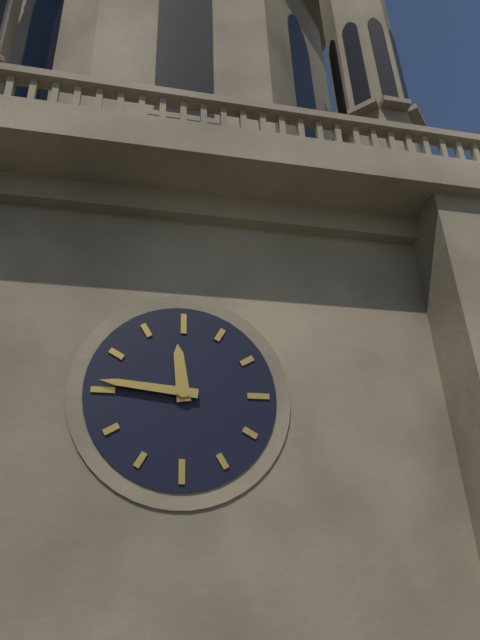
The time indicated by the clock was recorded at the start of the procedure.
11:46
